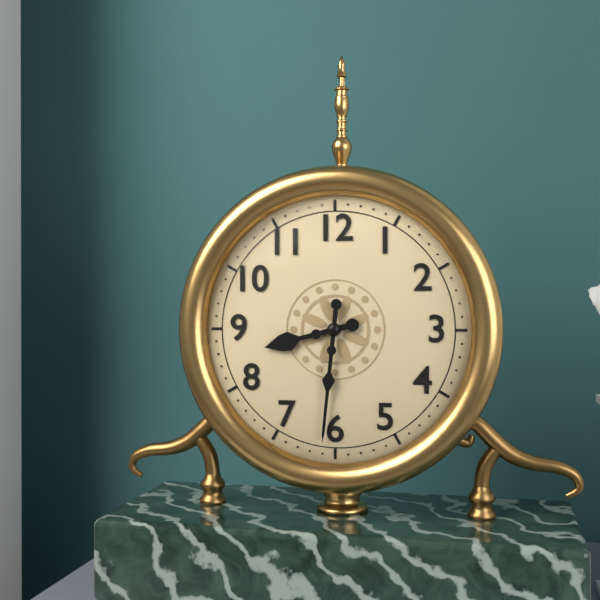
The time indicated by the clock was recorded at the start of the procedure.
8:31
